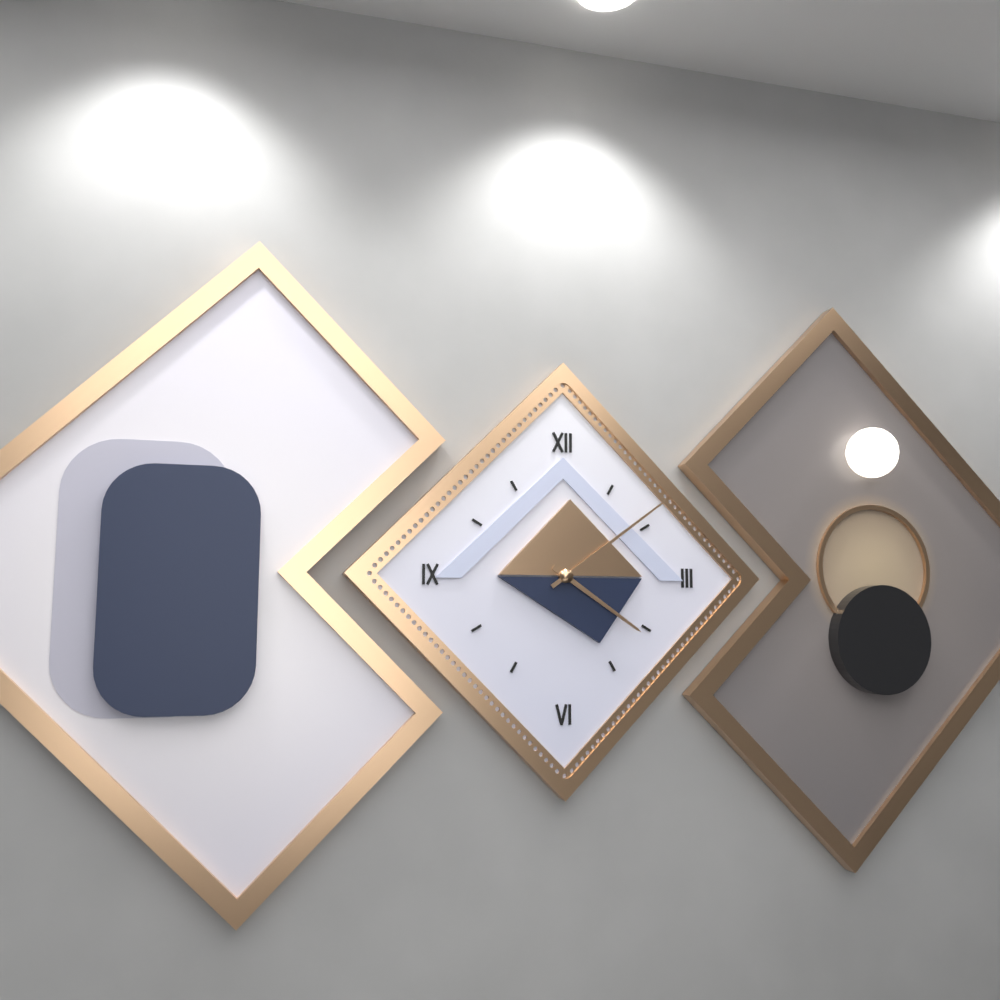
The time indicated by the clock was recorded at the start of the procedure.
4:09
